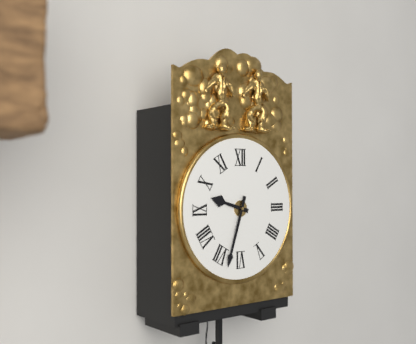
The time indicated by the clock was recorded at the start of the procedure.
9:33
